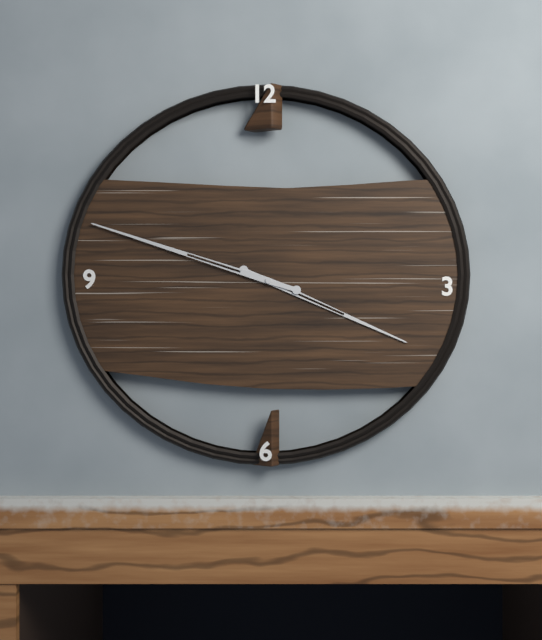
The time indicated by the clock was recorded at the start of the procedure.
3:48
